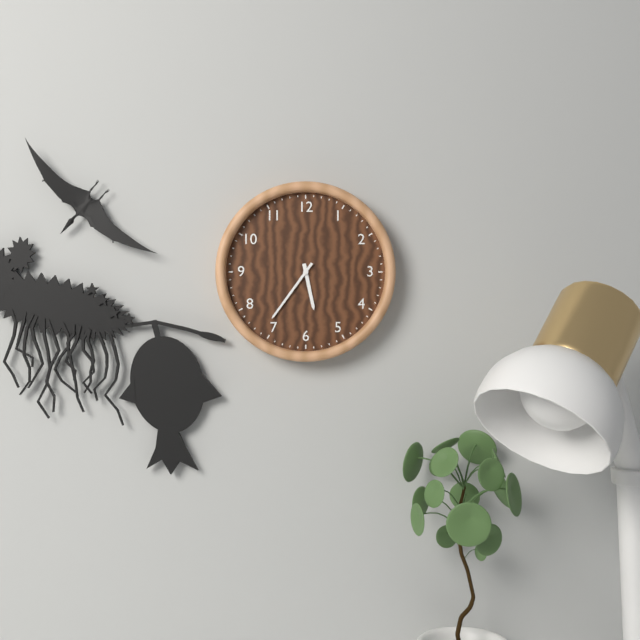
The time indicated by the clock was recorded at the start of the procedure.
5:36
